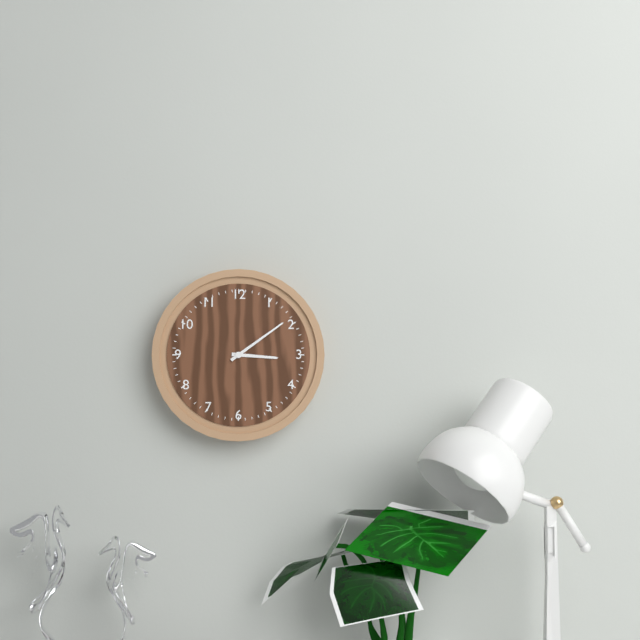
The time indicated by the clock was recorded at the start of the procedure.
3:09
